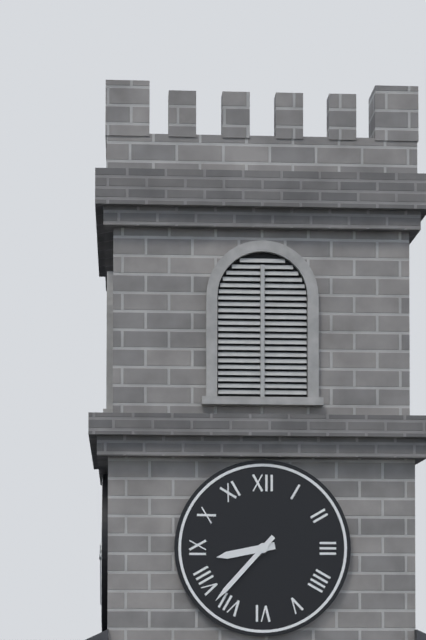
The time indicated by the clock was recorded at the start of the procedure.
8:37
